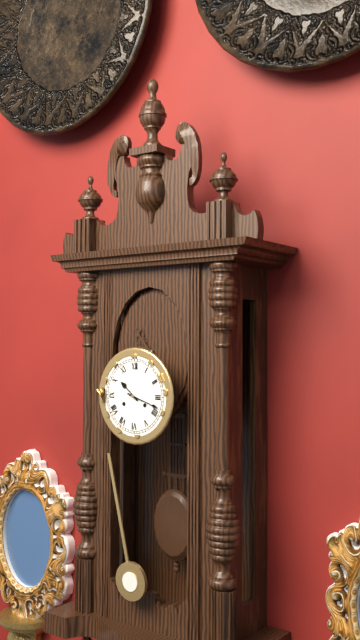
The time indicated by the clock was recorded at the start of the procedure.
10:18
